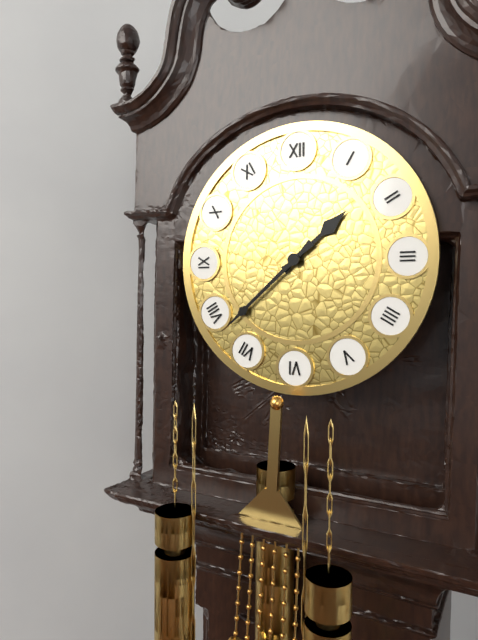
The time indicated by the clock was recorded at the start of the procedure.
1:38
